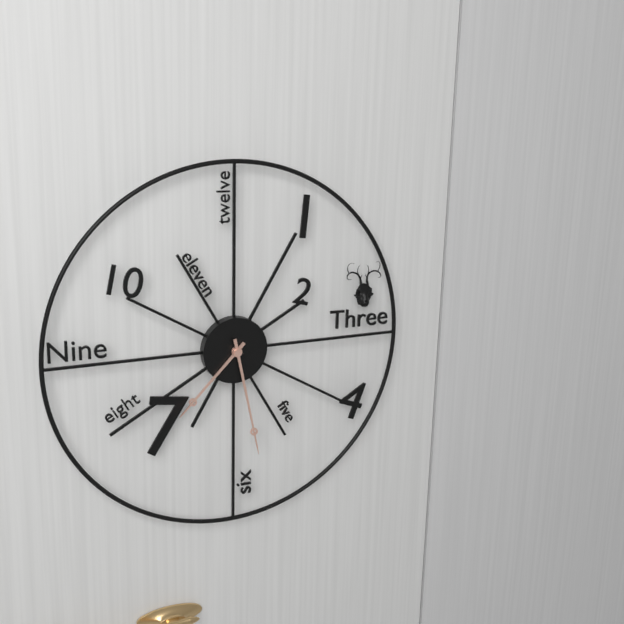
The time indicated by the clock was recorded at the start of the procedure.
7:28
